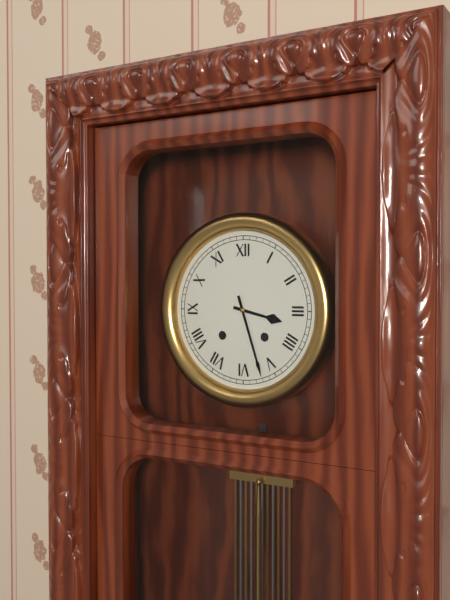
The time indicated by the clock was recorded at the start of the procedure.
3:27
